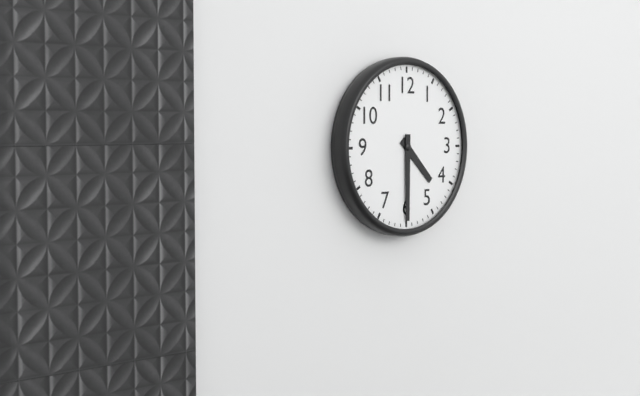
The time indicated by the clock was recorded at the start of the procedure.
4:30
